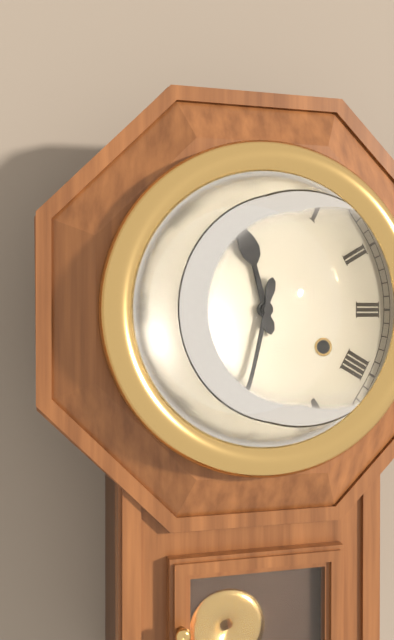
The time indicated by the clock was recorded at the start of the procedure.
11:32
